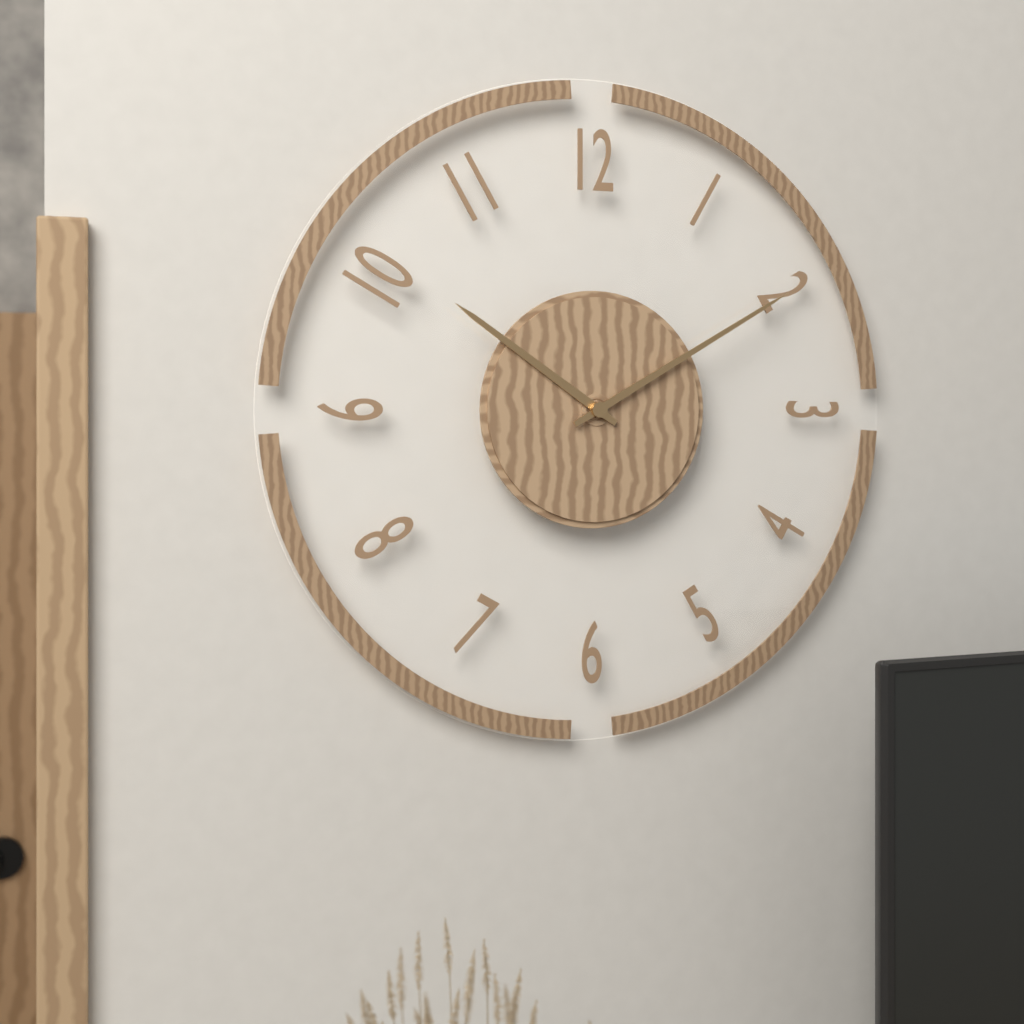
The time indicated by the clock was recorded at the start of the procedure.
10:10
